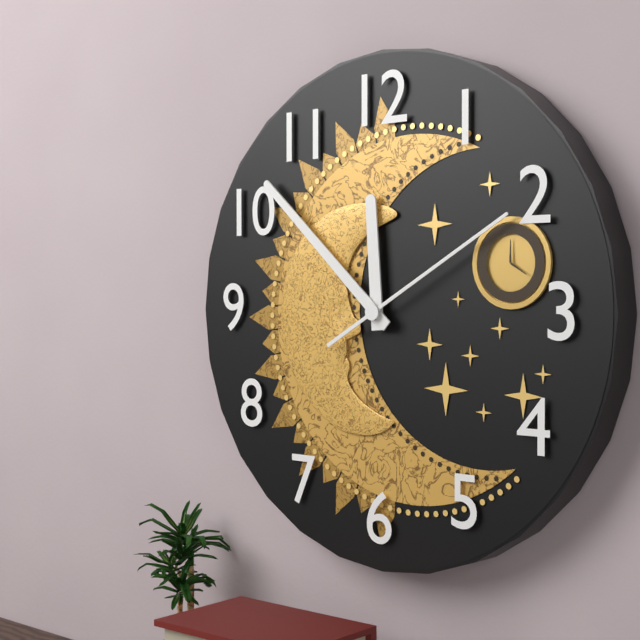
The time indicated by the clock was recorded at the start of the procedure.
11:52:10
